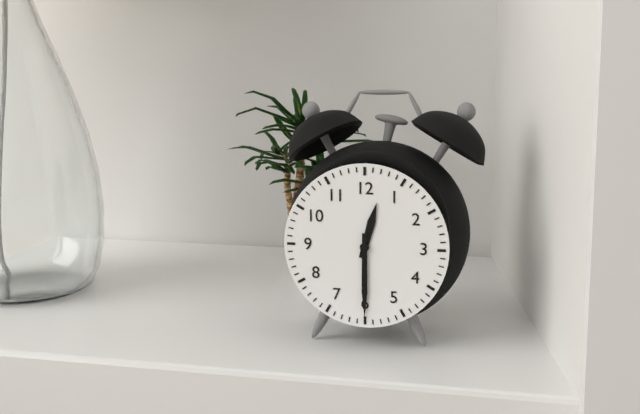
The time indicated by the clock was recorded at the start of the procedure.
12:30
